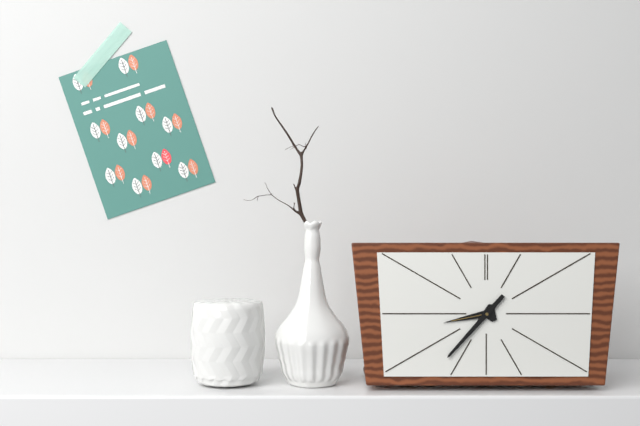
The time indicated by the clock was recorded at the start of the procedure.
8:37
